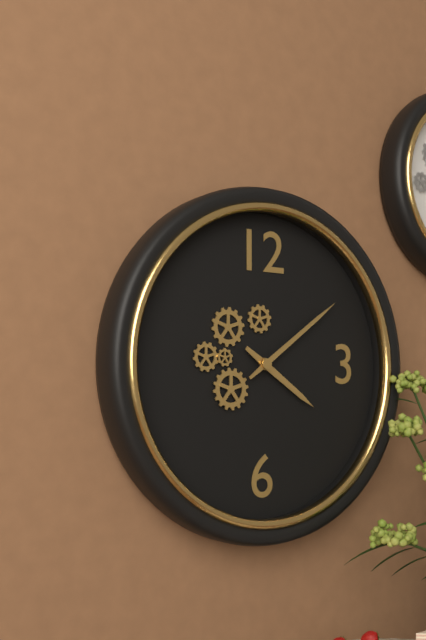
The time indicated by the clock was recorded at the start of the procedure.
4:09
